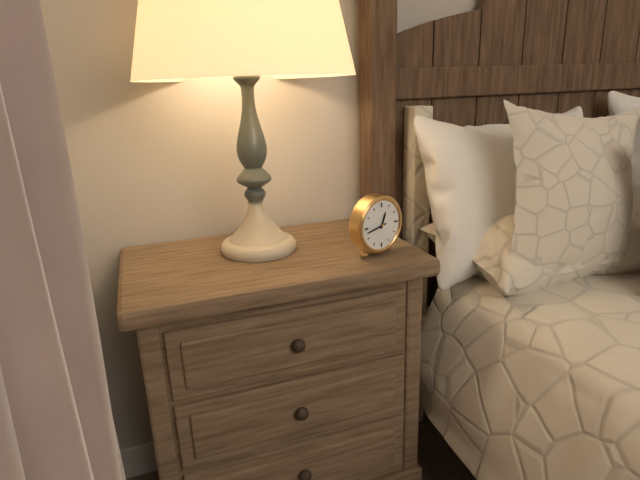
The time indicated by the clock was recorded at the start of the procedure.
12:43
